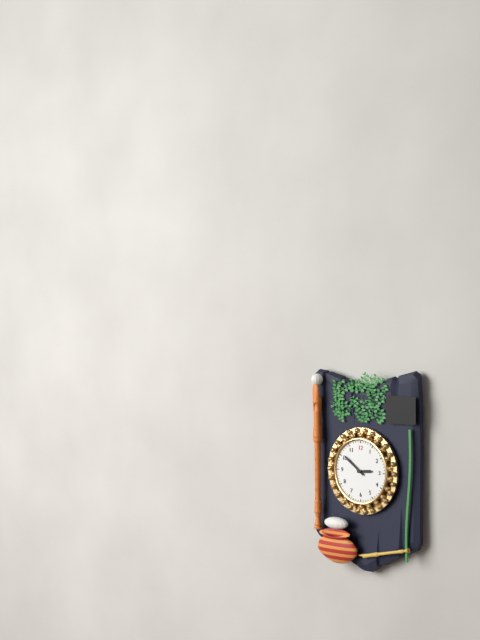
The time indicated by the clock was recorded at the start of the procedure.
2:51
